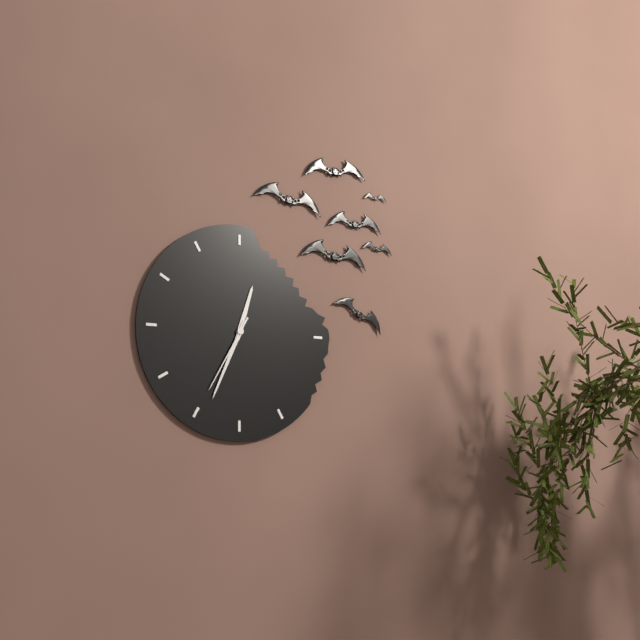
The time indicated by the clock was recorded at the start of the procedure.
12:34:35
